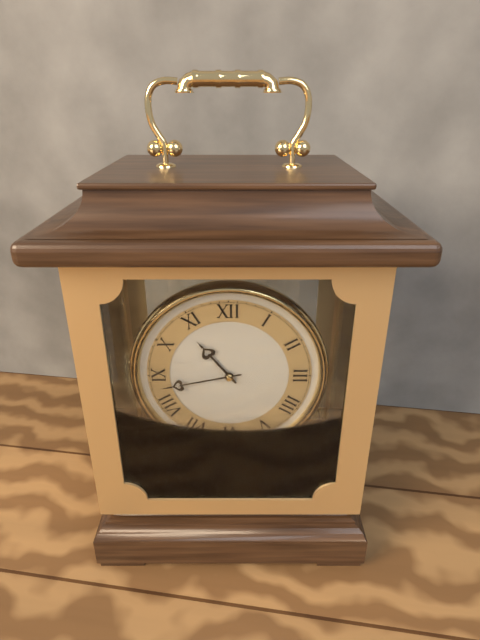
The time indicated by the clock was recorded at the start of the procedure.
10:43
